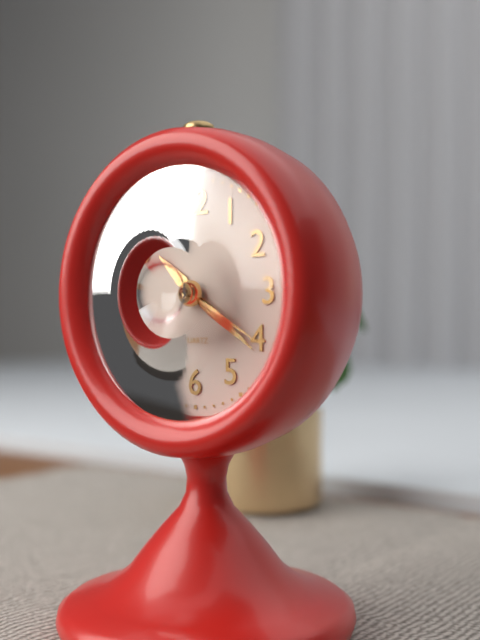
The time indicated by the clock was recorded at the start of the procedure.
10:21:20
